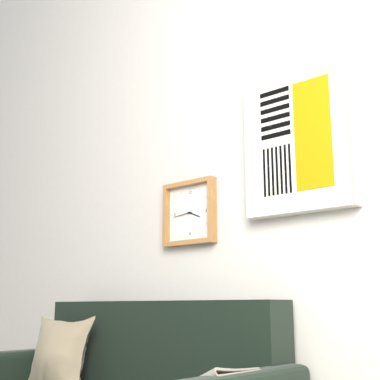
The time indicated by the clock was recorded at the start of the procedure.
3:44
